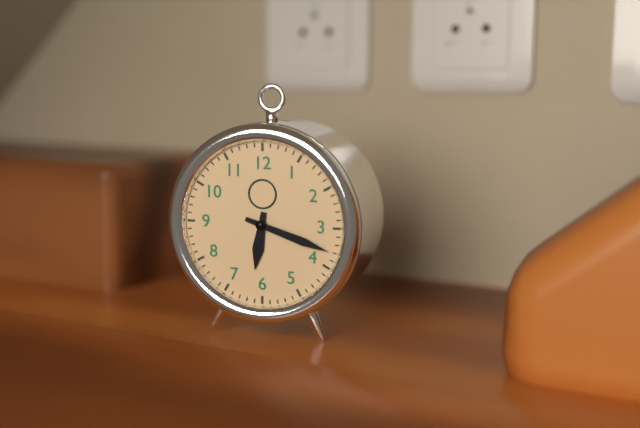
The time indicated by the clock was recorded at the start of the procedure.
6:18
